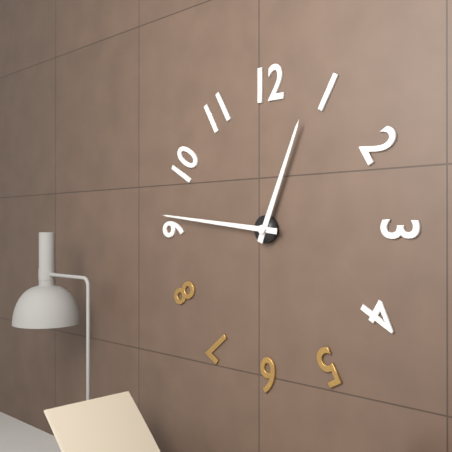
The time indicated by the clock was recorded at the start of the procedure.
12:46
